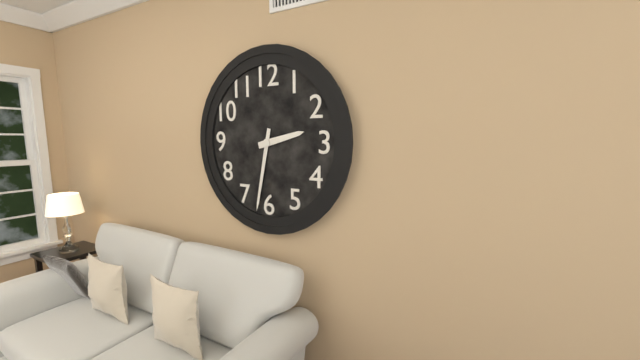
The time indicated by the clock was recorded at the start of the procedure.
2:32
